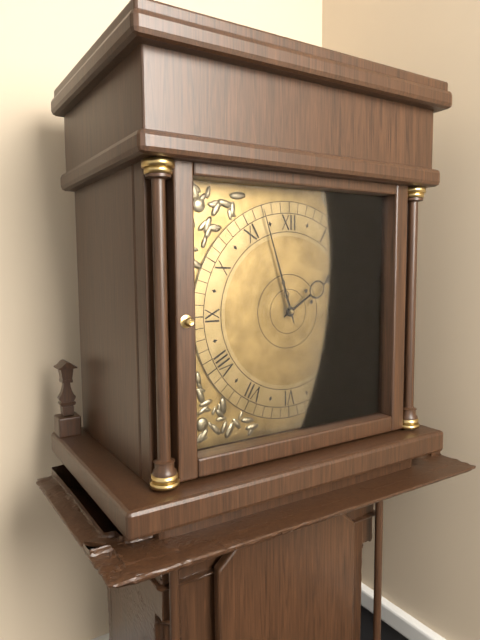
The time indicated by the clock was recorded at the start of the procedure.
1:57
